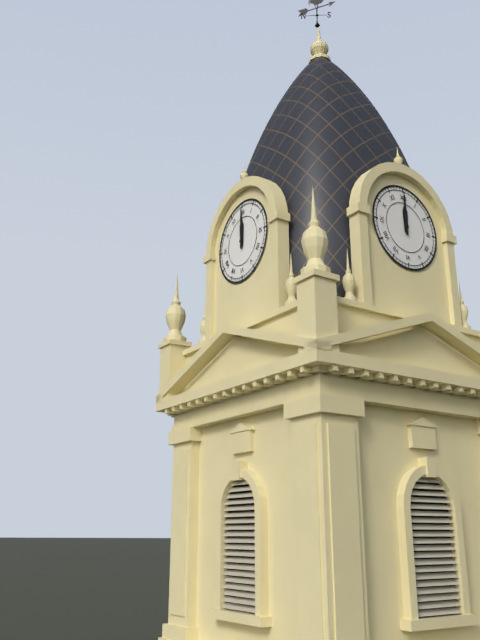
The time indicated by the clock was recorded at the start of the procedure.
12:00
